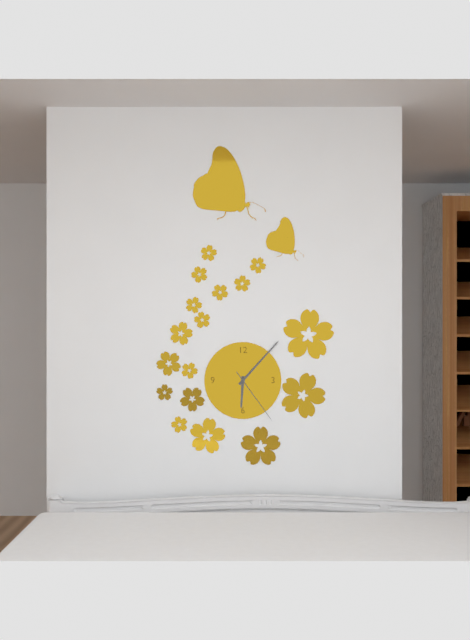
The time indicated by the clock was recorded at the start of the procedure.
6:07:24
